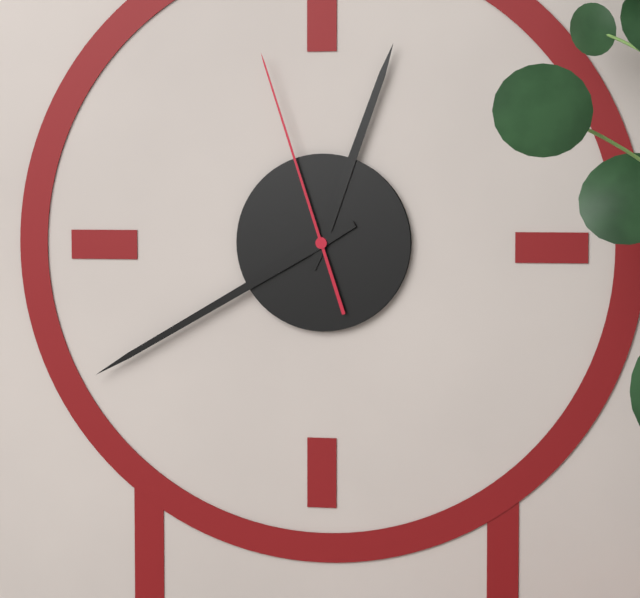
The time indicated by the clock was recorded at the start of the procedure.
12:40:57
